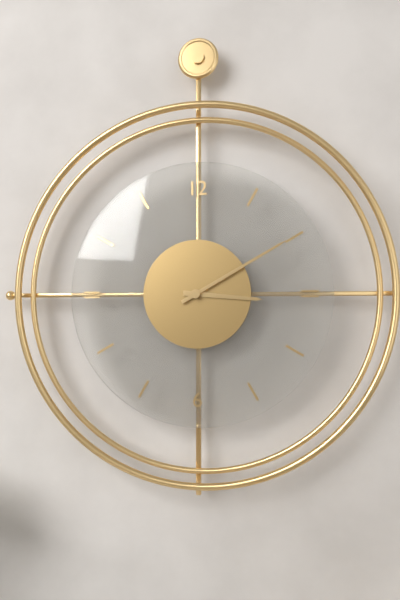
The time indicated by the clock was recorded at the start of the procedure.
3:10
